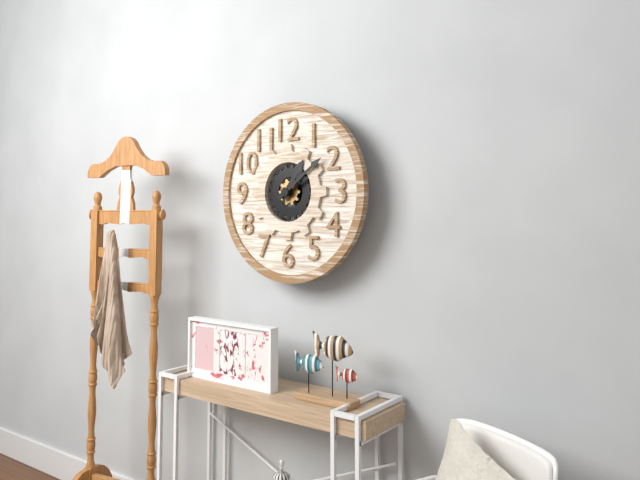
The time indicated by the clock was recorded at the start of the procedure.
1:09
